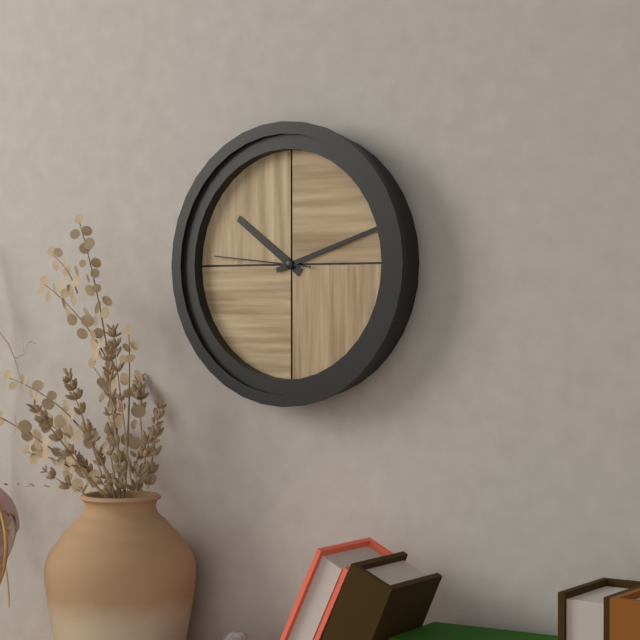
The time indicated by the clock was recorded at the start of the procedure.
10:12:46
